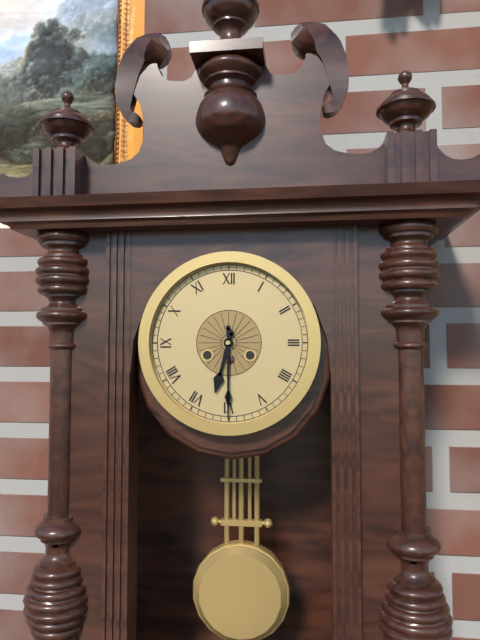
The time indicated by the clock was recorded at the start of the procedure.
6:30
